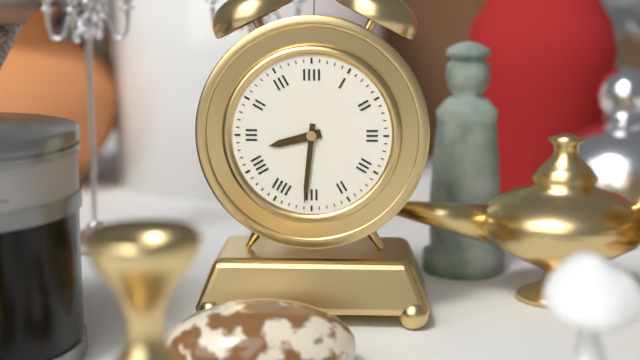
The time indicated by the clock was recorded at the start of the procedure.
8:31
